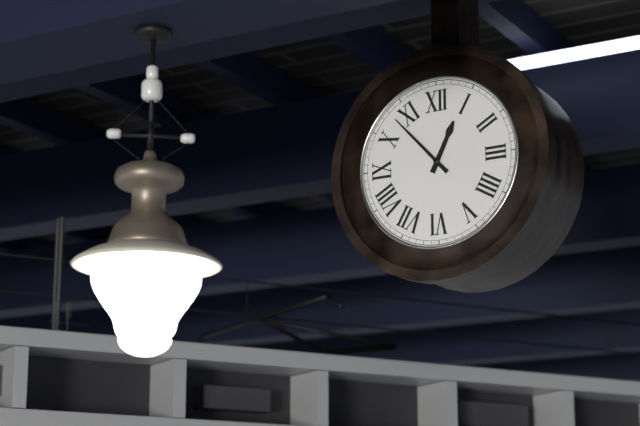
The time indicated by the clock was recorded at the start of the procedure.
12:53
